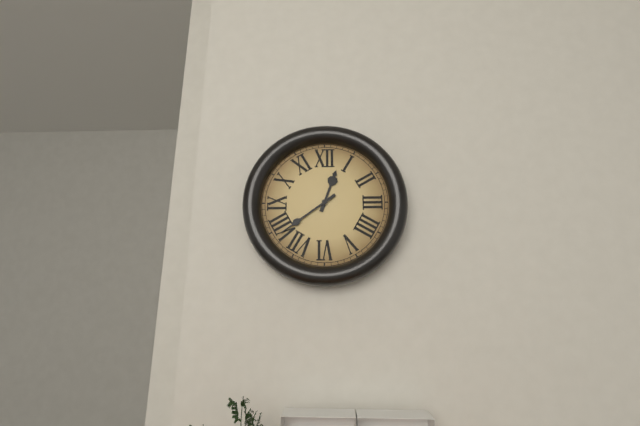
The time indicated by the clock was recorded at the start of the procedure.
12:39
